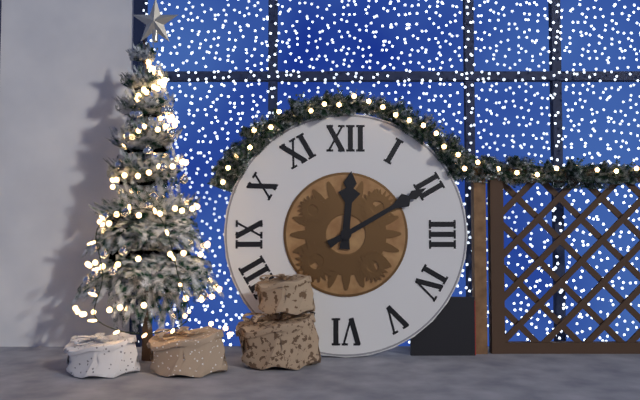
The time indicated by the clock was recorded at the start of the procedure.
12:10
